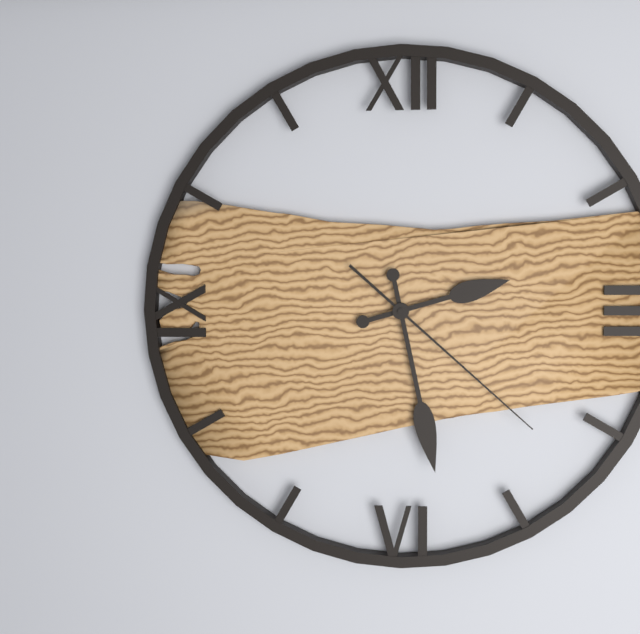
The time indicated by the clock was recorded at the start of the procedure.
2:28:22
